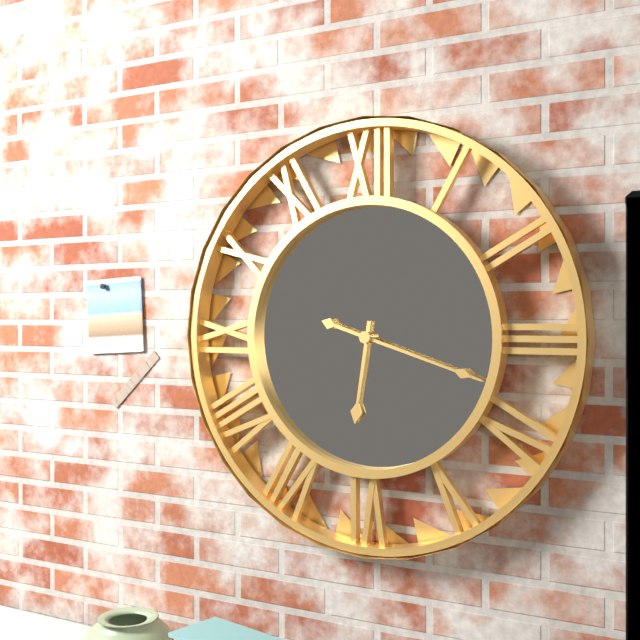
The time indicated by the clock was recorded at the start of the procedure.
6:18
